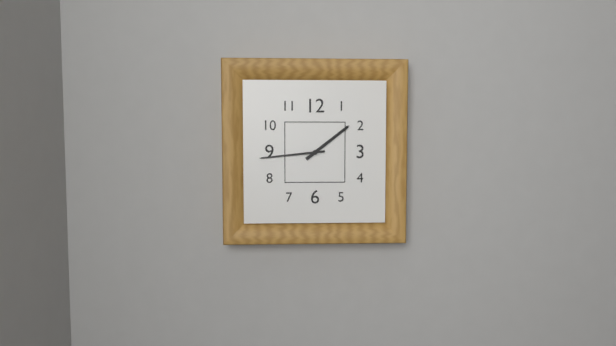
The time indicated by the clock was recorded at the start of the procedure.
1:44
